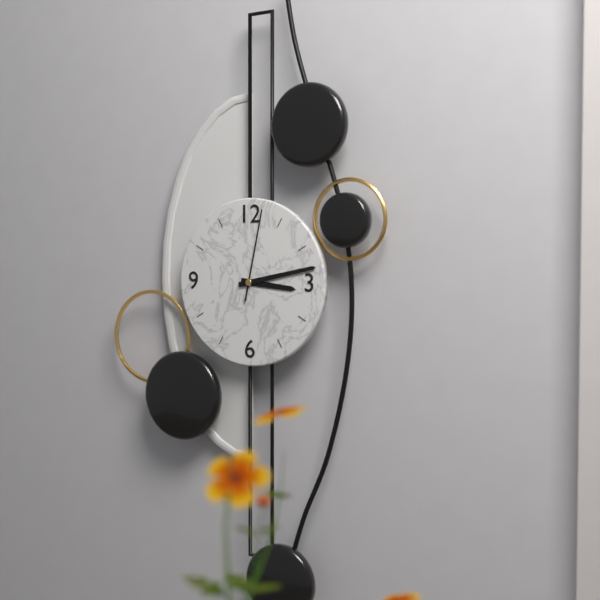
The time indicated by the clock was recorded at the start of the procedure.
3:13:02
